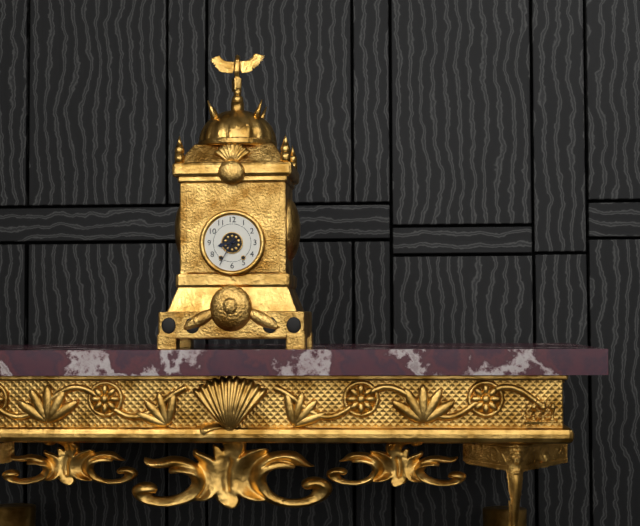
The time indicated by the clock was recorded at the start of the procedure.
8:35
